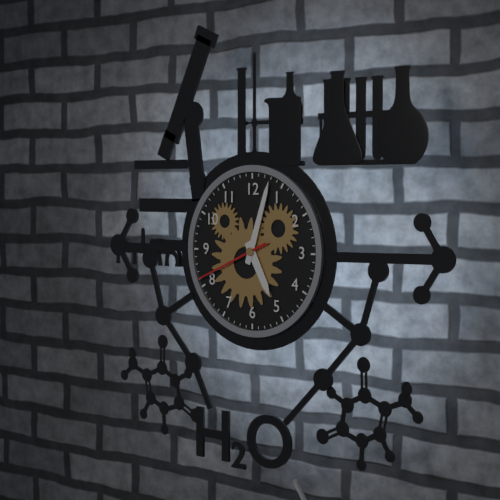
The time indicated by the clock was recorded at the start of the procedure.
5:03:41
